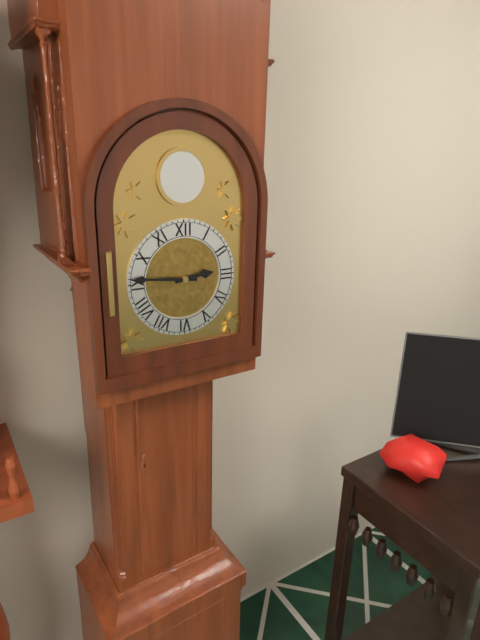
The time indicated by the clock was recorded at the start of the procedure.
2:46
